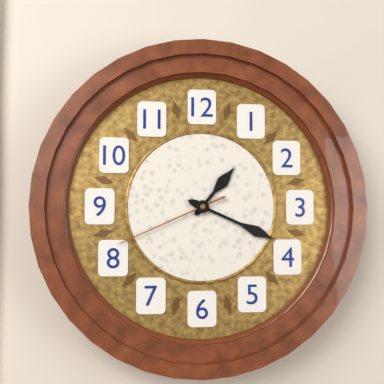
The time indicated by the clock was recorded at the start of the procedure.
1:19:41
